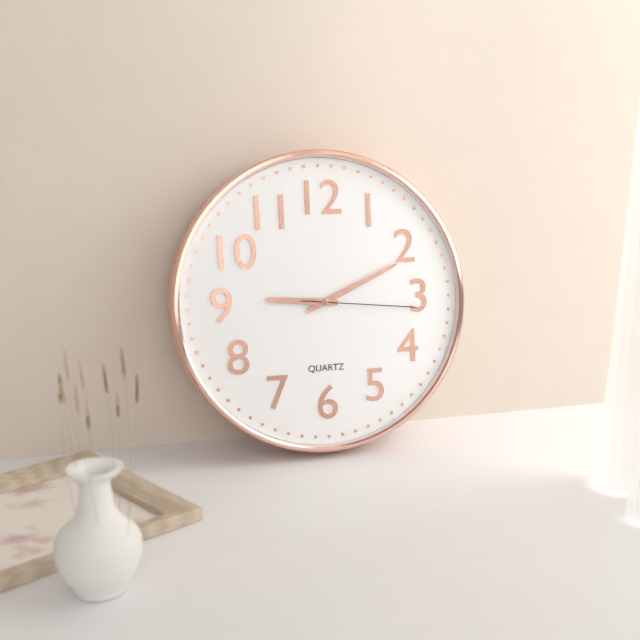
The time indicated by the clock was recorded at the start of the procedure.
9:11:16
